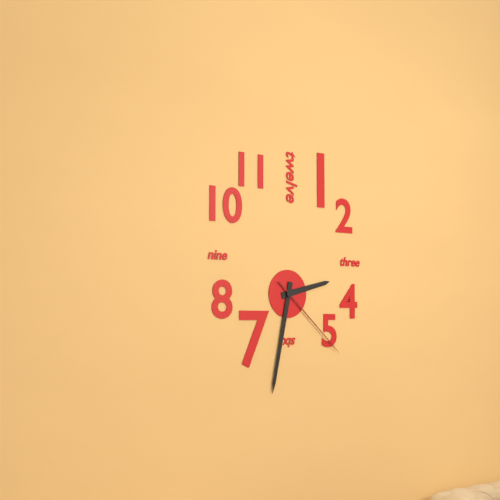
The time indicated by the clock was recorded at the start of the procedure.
2:32:22
